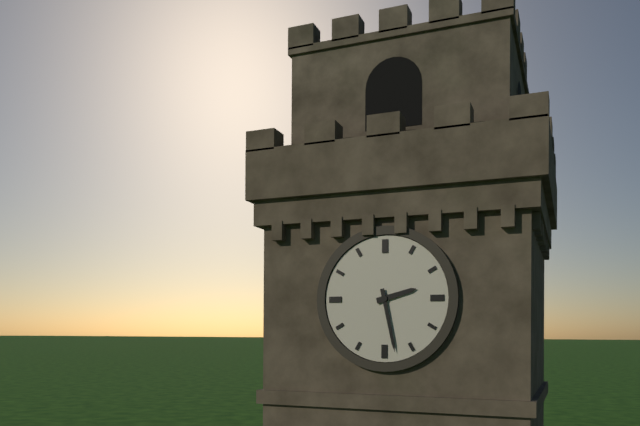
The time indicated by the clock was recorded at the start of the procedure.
2:28
